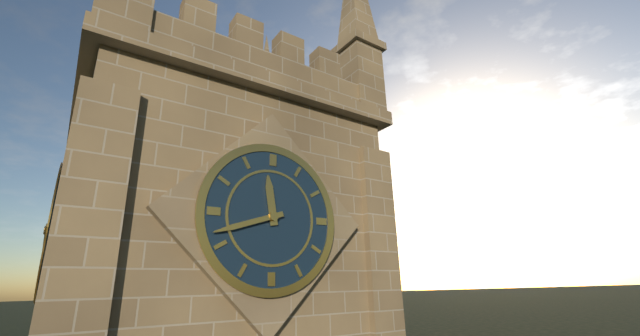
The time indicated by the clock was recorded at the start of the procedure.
11:42
